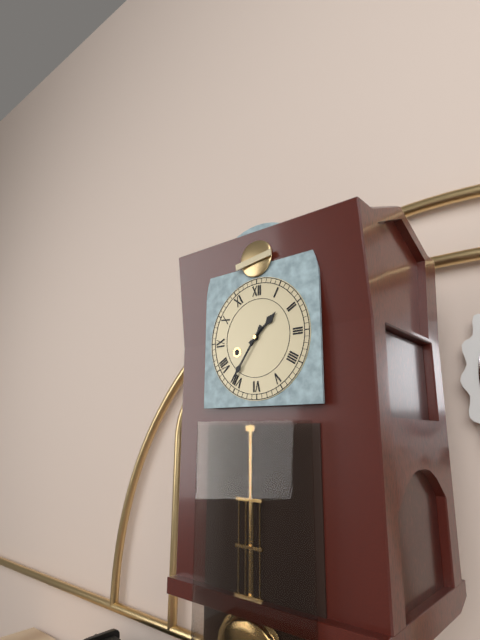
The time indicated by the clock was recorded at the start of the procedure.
1:36
